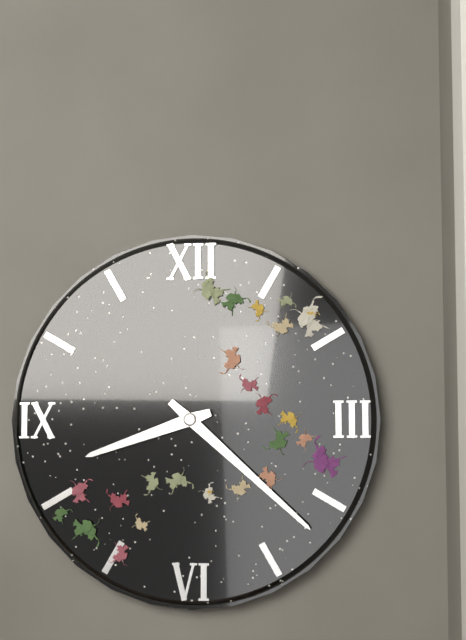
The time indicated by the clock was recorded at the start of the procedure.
8:22
